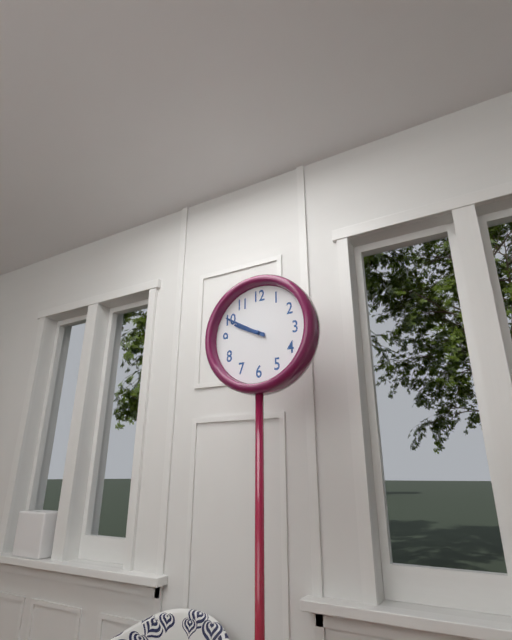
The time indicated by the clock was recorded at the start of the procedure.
9:50
